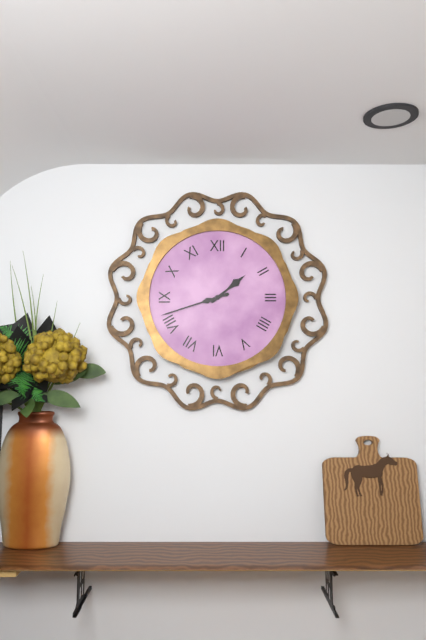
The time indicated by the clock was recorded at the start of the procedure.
1:42
